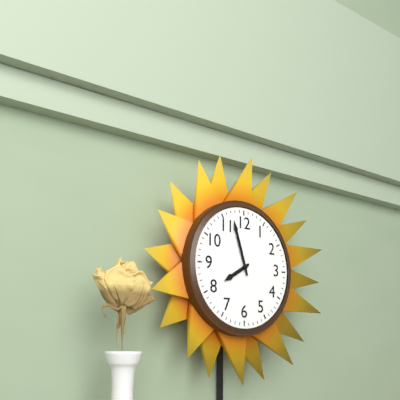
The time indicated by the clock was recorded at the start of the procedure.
7:57
